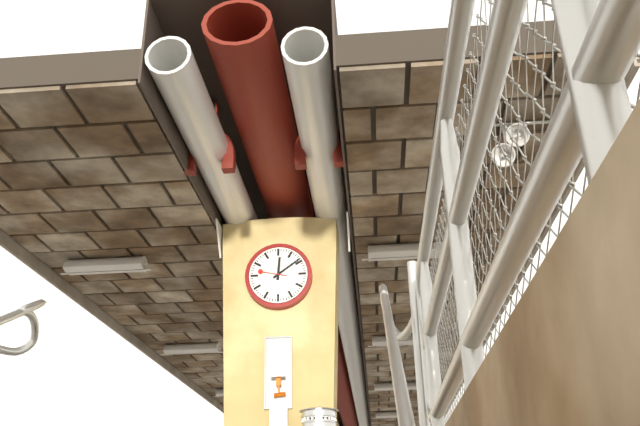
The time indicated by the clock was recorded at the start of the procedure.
12:09
